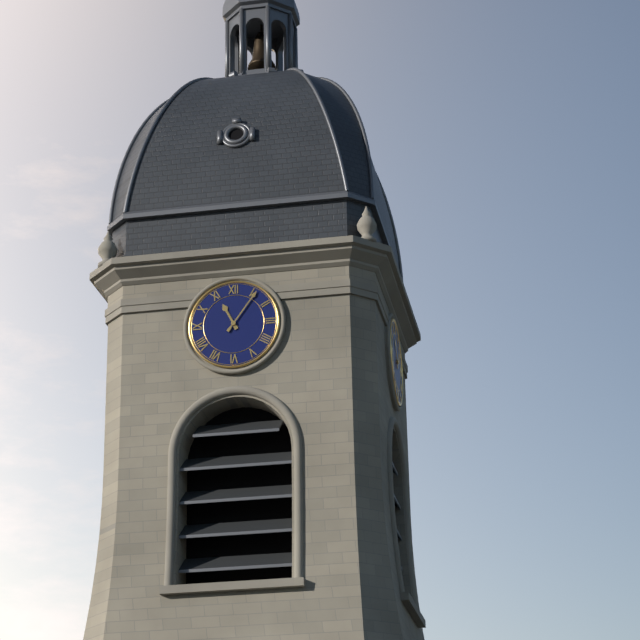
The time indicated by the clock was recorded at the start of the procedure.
11:06
